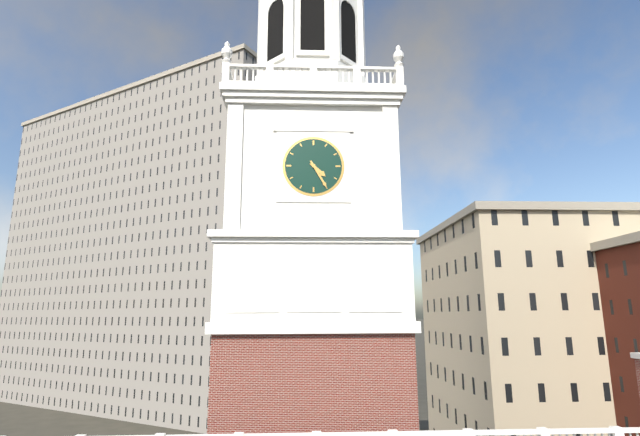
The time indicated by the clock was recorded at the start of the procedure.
4:25
